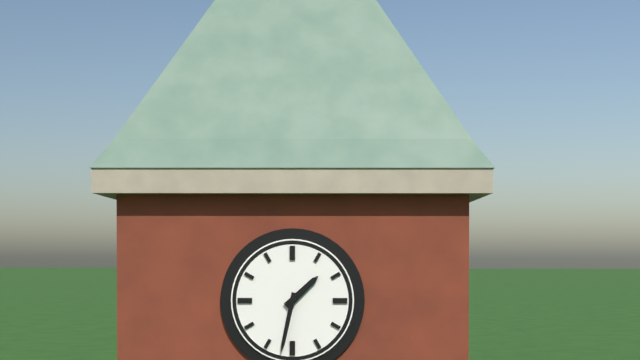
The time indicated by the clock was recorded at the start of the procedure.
1:32
